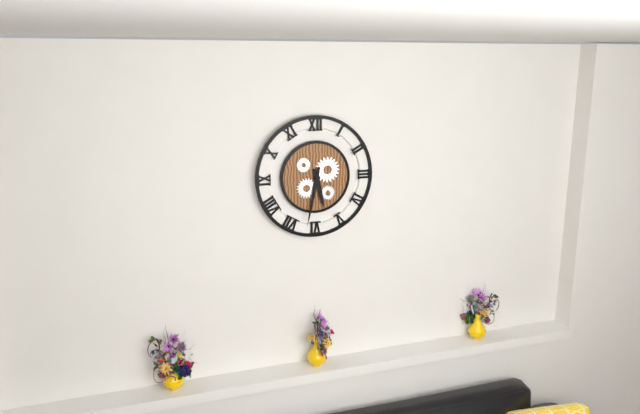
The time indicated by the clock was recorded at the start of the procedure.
5:32
